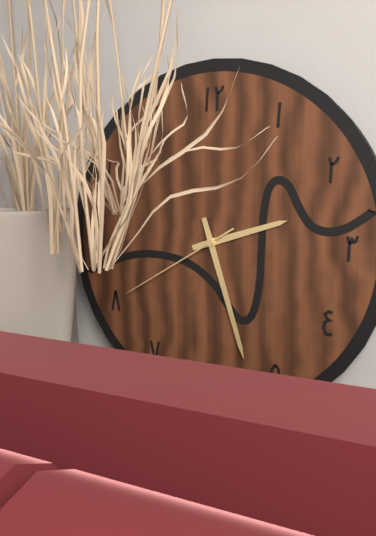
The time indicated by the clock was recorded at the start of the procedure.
2:27:40
